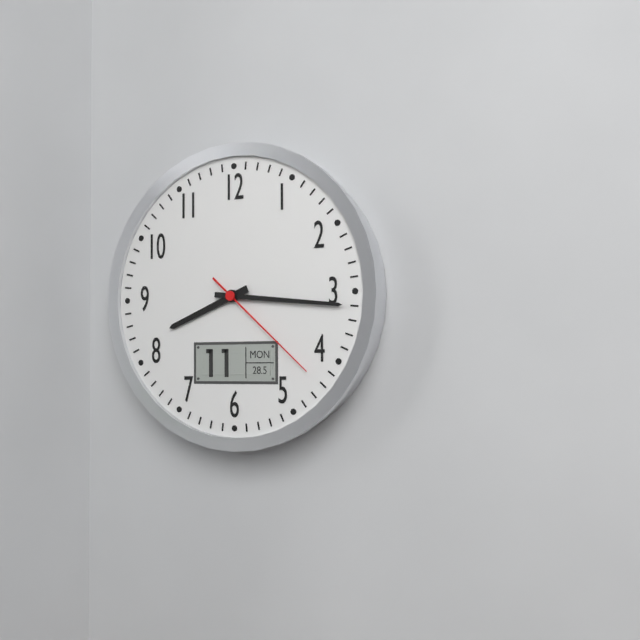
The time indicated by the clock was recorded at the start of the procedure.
8:16:22
